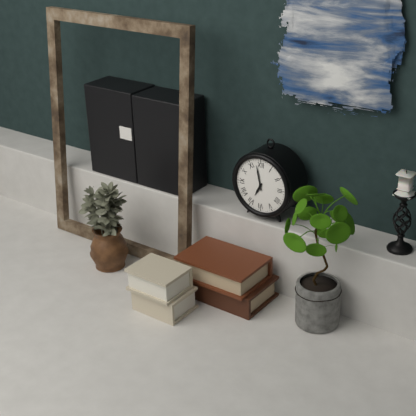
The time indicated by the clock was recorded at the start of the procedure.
6:58
